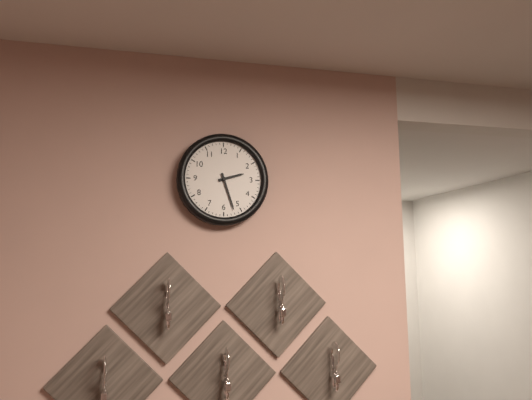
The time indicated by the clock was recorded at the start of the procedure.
2:27
